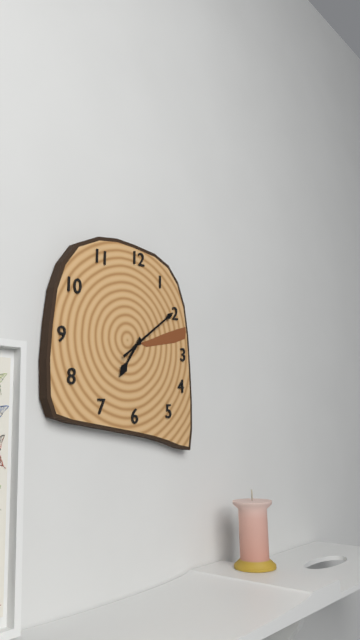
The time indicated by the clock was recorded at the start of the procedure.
7:09:09
